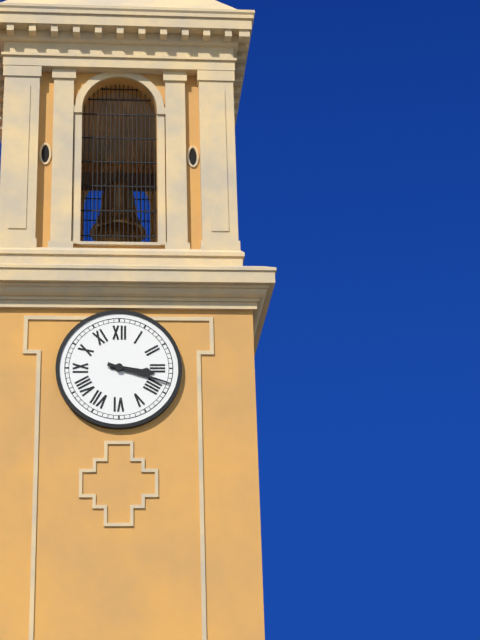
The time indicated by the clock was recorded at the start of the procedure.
3:18
